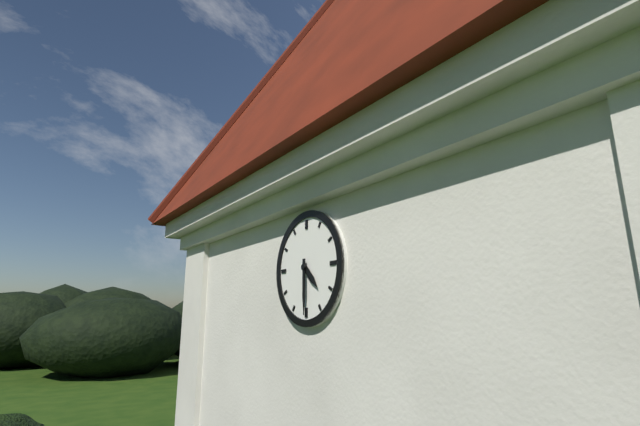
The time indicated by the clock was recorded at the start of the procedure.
4:30
